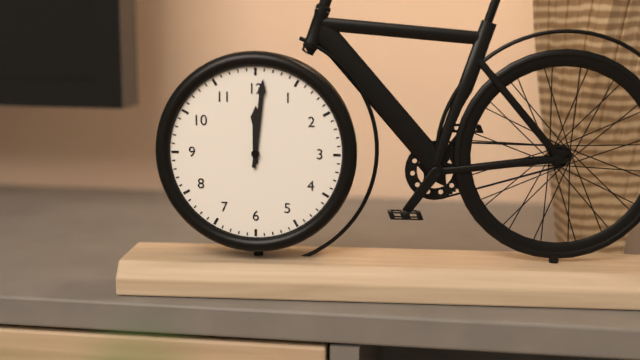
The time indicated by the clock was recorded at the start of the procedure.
12:01
